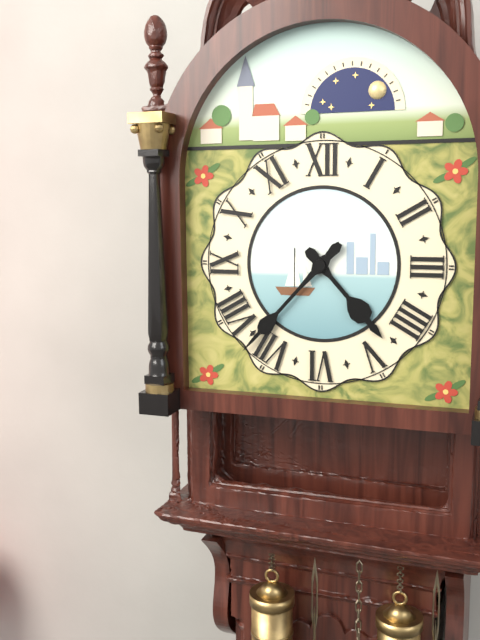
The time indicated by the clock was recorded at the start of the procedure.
4:37
